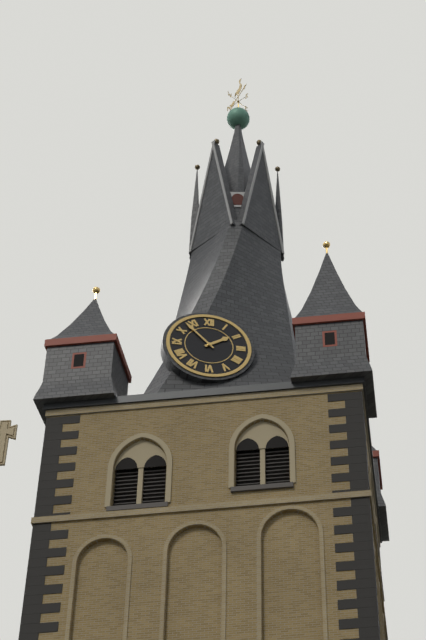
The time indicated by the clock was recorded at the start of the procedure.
1:53
